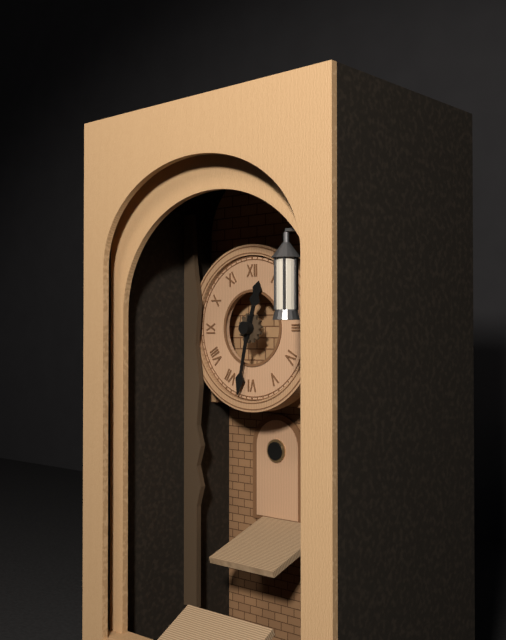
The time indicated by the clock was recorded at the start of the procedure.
12:32
